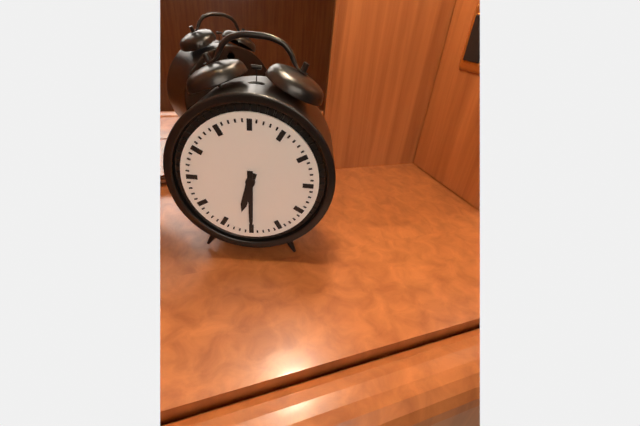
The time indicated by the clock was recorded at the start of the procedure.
6:30
